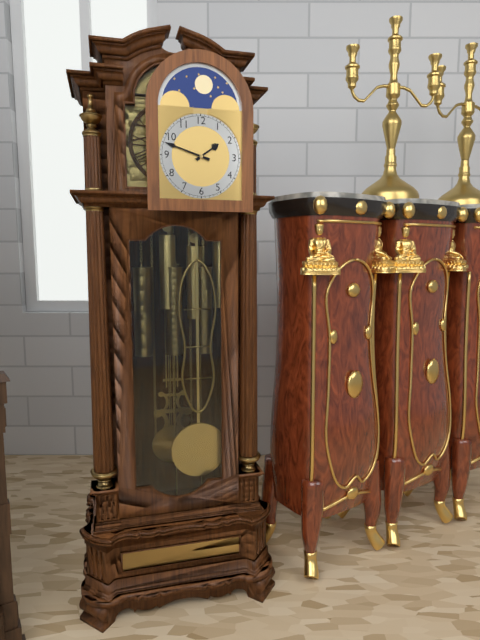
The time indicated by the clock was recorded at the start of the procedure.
1:48
